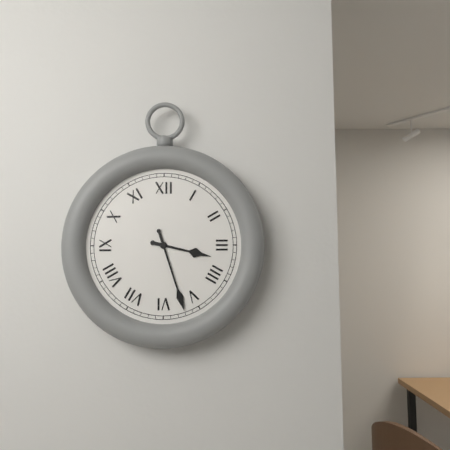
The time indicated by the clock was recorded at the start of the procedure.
3:27
